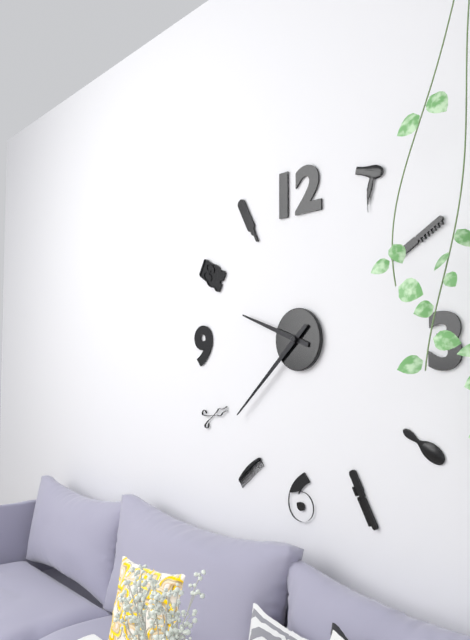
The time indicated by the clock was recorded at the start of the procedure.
9:38
